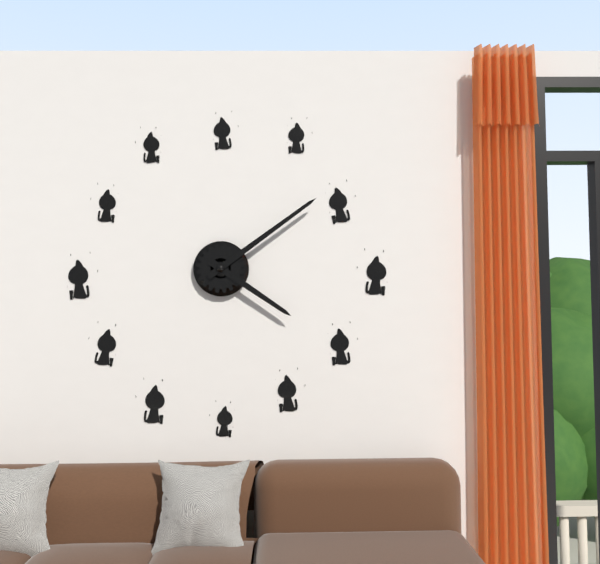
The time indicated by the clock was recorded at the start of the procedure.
4:09
